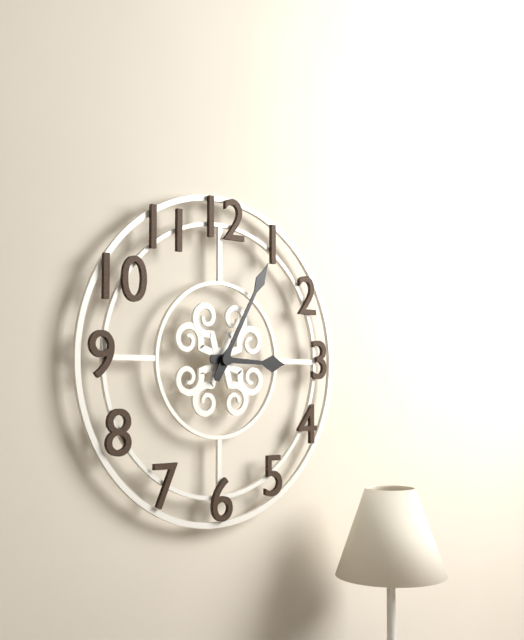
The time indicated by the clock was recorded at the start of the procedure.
3:05
